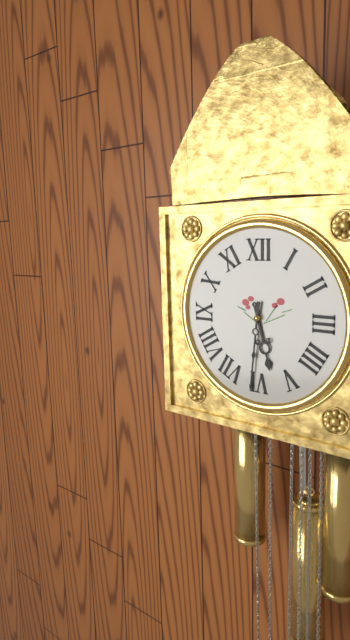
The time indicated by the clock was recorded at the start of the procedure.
5:31
